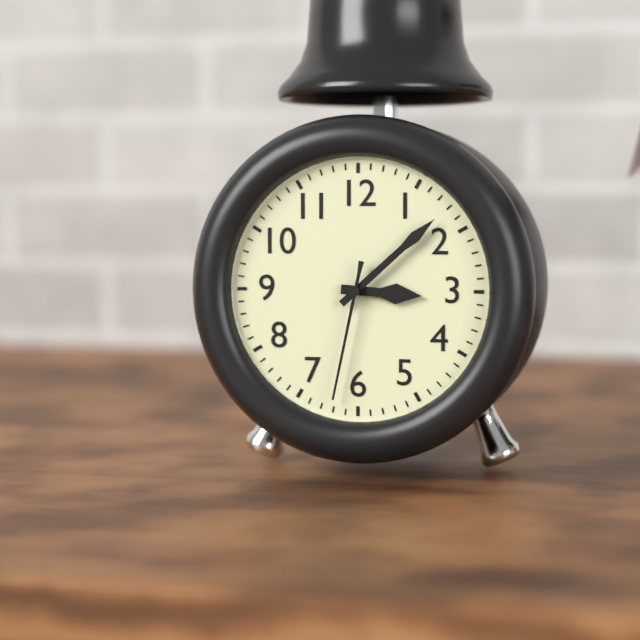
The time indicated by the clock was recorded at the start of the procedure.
3:08:32
